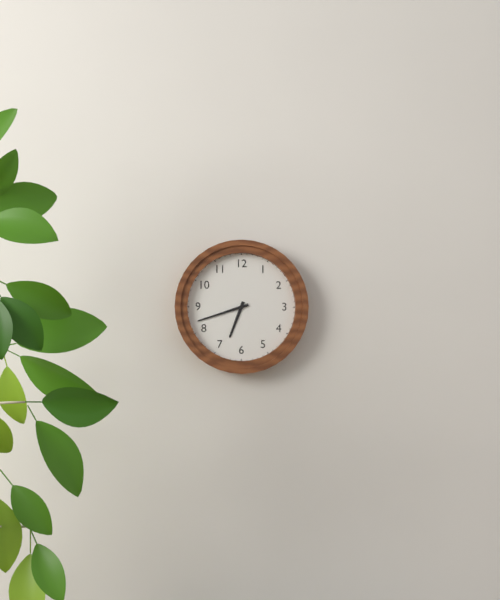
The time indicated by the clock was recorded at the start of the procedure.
6:42
